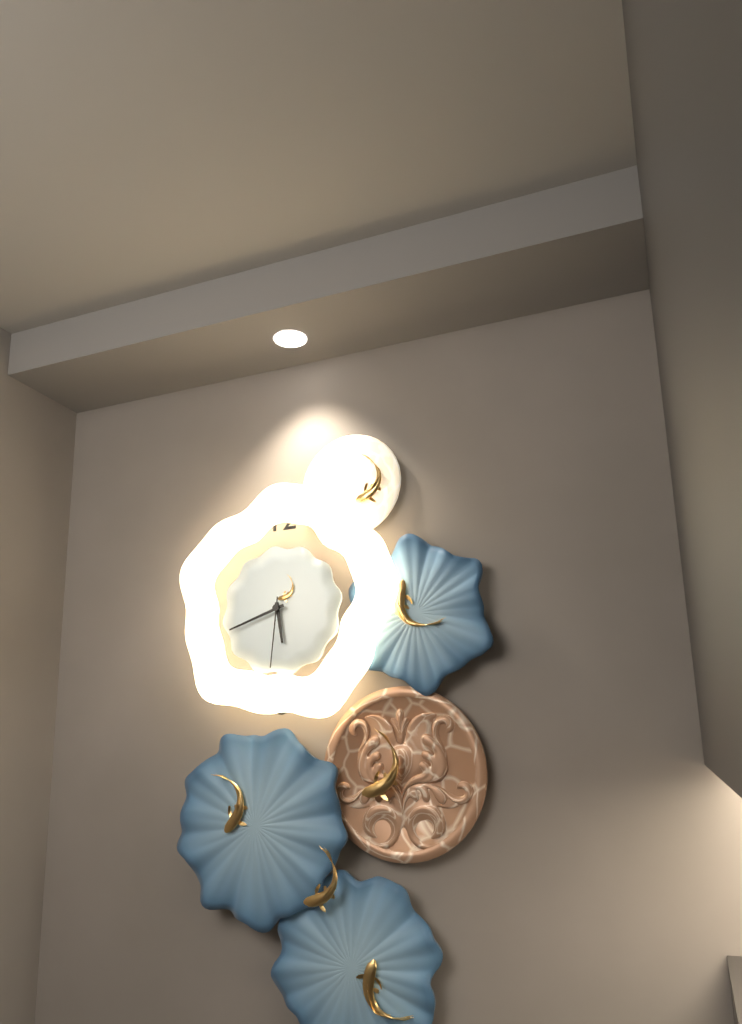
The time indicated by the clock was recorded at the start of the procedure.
5:42:31
